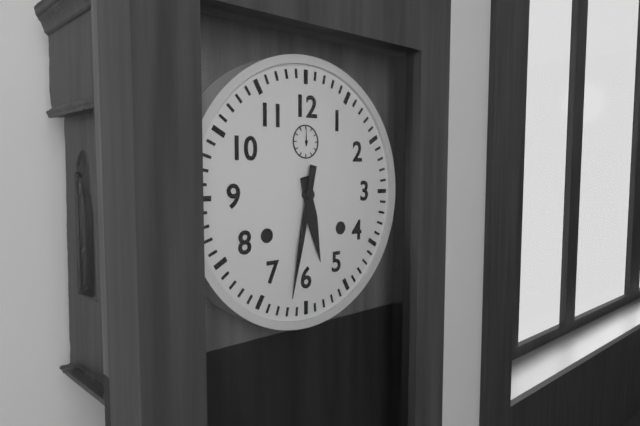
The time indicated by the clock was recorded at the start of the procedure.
5:32
